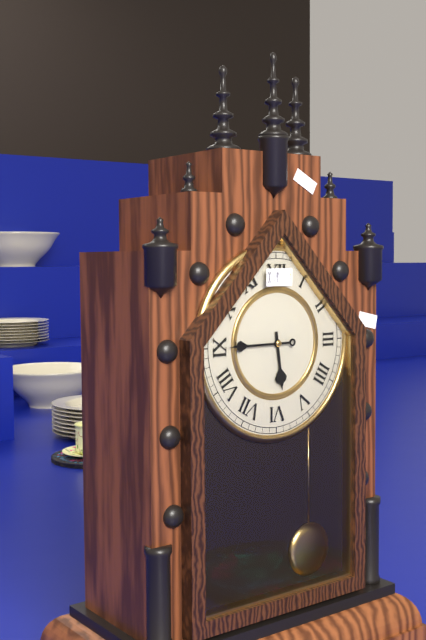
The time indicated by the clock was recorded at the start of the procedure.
5:45
